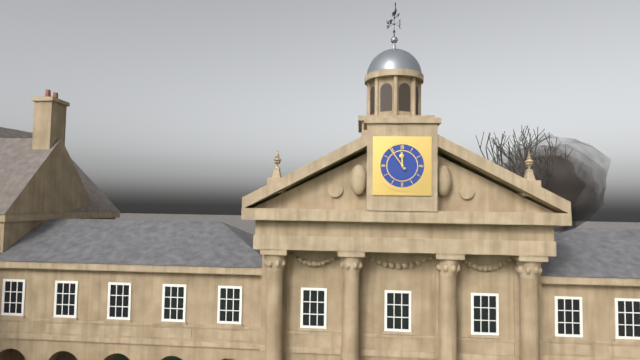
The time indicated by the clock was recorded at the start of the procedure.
11:54
